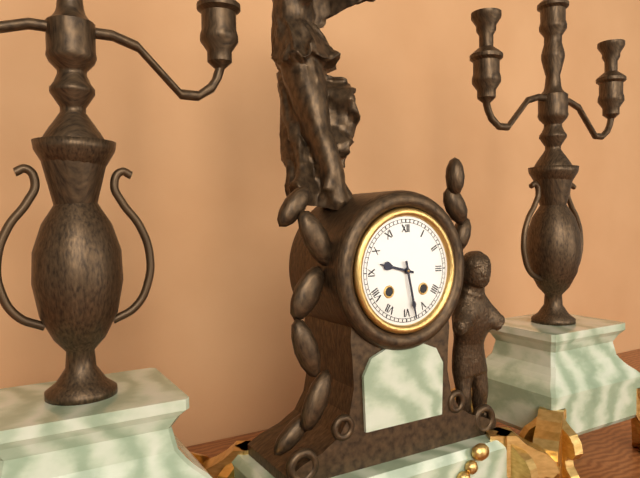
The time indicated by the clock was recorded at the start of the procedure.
9:28
